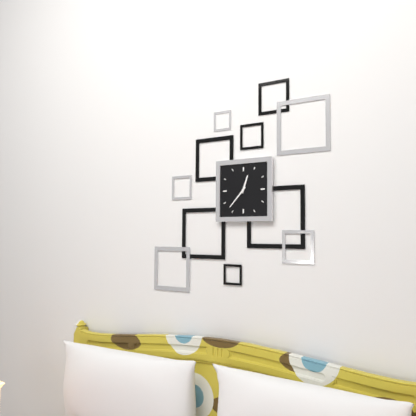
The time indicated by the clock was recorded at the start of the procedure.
12:37
